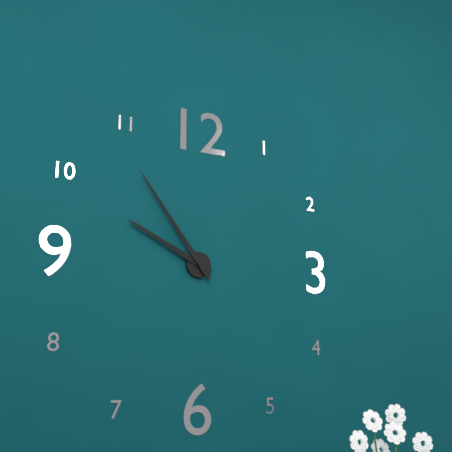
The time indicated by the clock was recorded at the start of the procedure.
9:54
